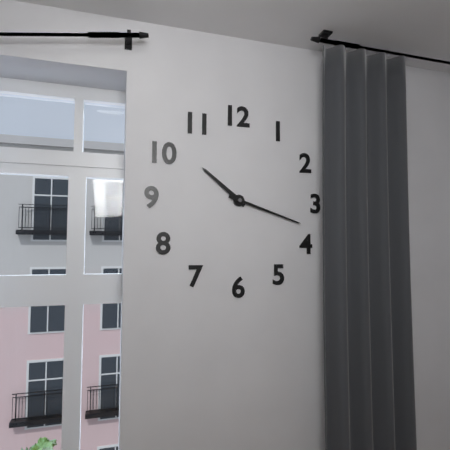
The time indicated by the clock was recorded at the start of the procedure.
10:18
